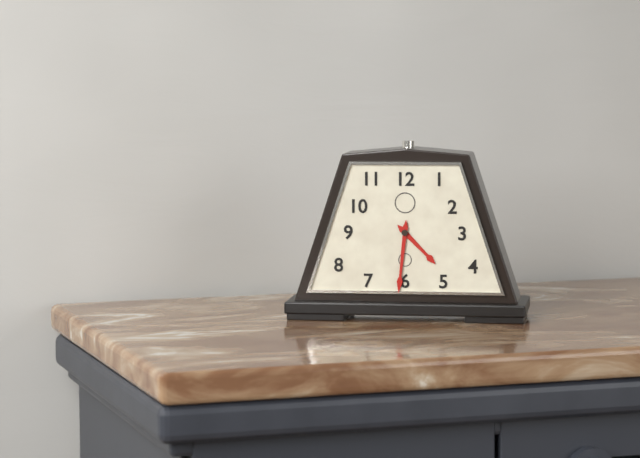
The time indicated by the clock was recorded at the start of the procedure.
4:31
